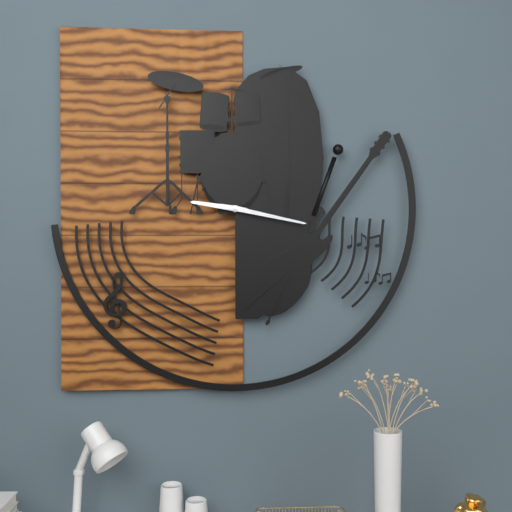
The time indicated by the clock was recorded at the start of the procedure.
9:17
